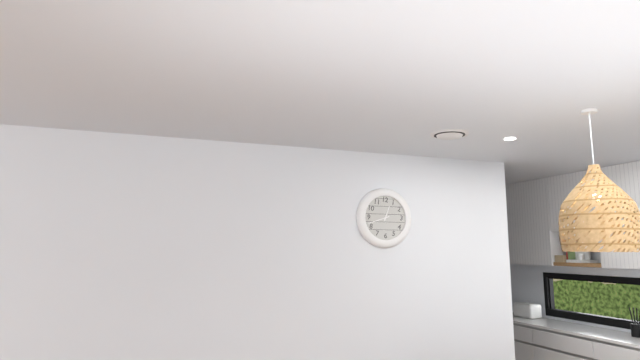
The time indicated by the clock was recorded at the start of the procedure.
12:42
